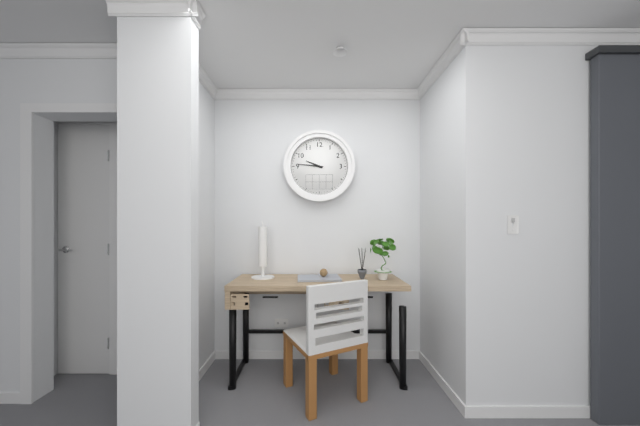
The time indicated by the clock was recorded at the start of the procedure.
9:46
